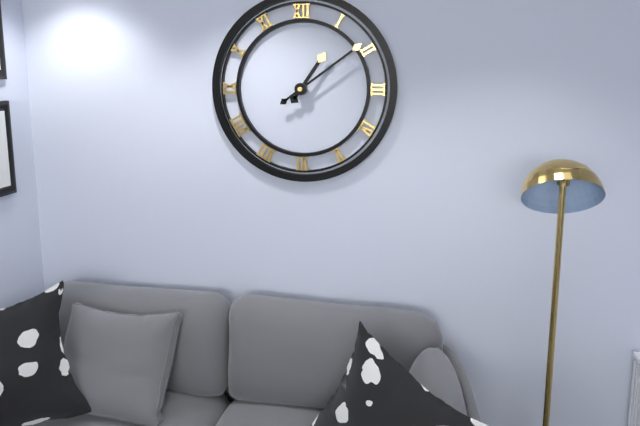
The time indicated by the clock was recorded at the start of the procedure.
1:09
